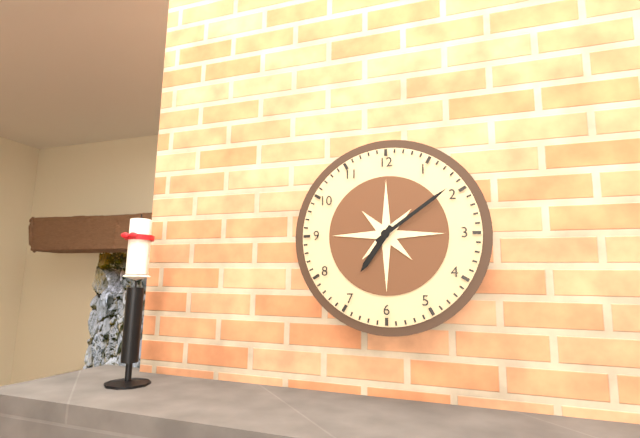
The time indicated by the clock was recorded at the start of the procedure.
7:09
